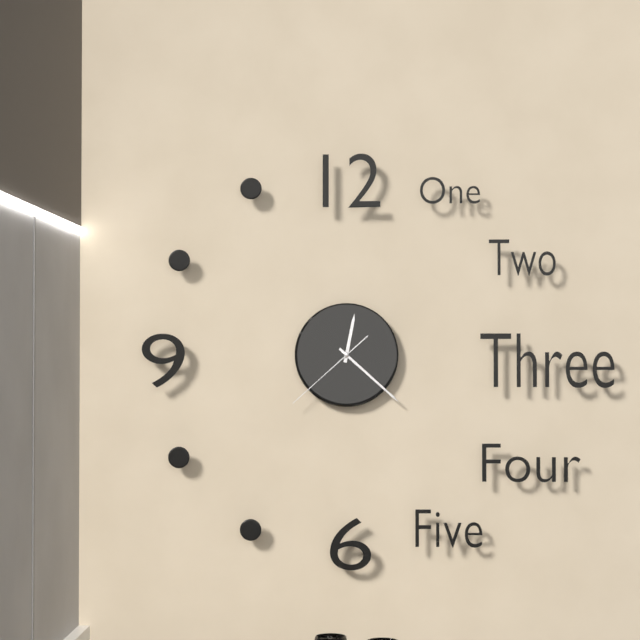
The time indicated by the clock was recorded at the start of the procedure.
12:22:38
